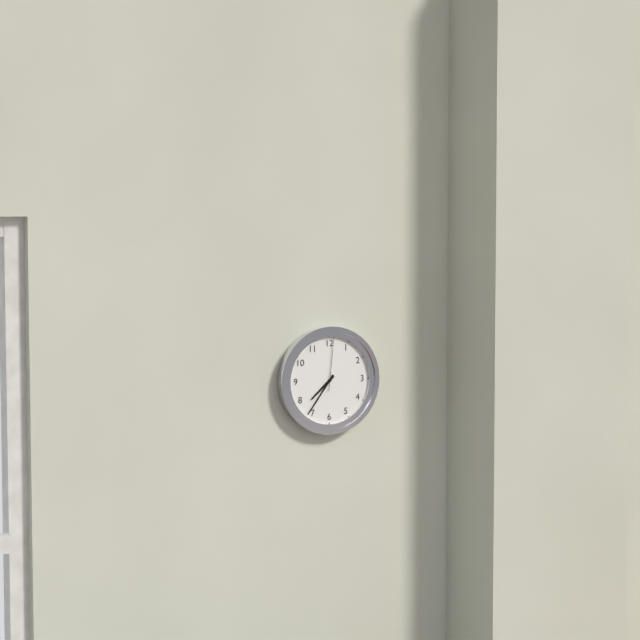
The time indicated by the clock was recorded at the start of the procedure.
7:36:01
